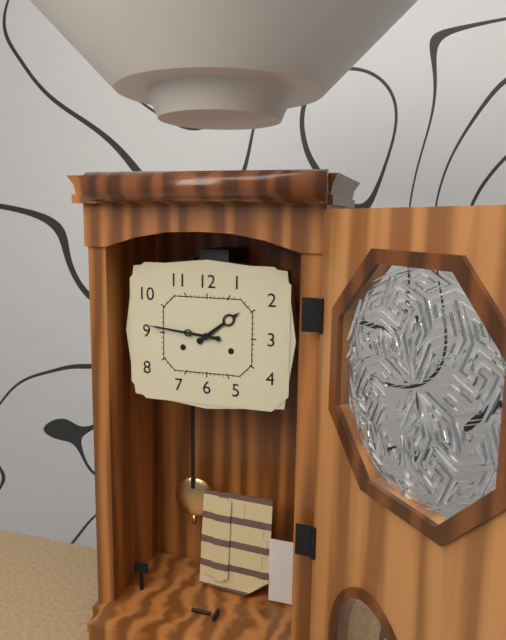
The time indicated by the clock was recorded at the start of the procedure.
1:46
